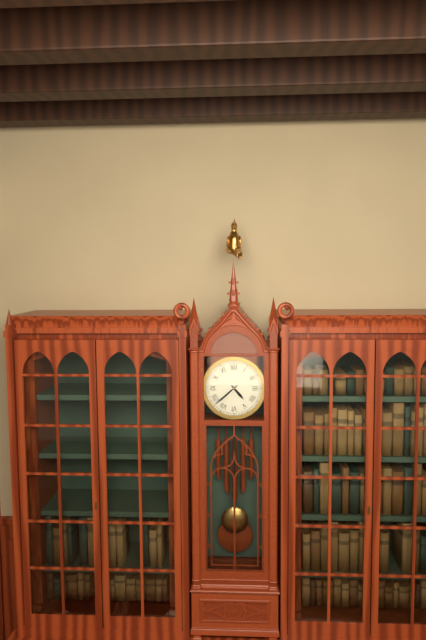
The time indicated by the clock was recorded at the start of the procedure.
4:38
